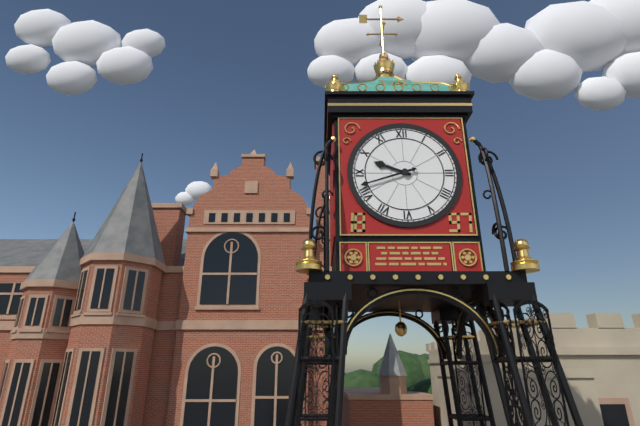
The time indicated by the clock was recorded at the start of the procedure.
9:42
